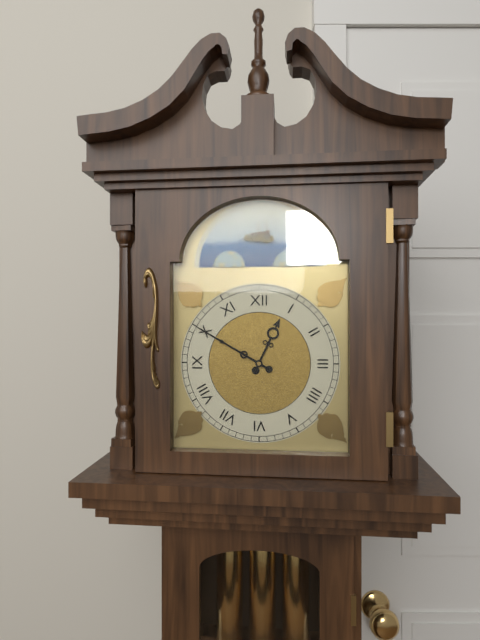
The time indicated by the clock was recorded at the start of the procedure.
12:50
